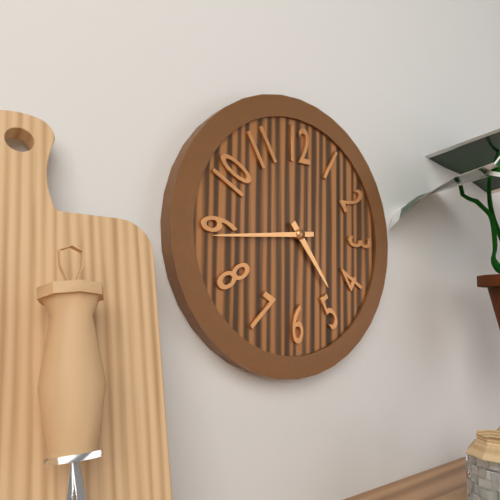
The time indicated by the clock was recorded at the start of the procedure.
4:44
